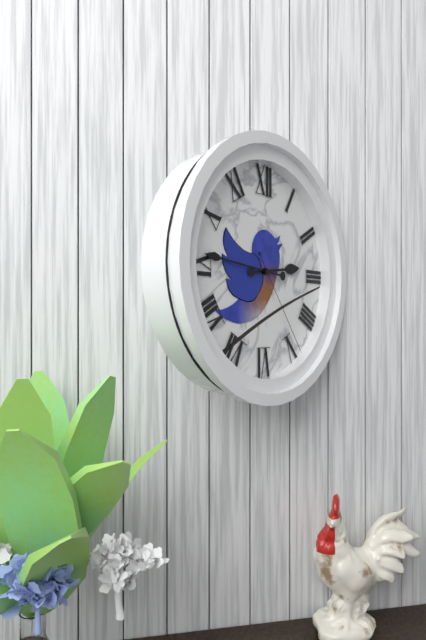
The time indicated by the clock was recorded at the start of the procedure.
2:46:24
